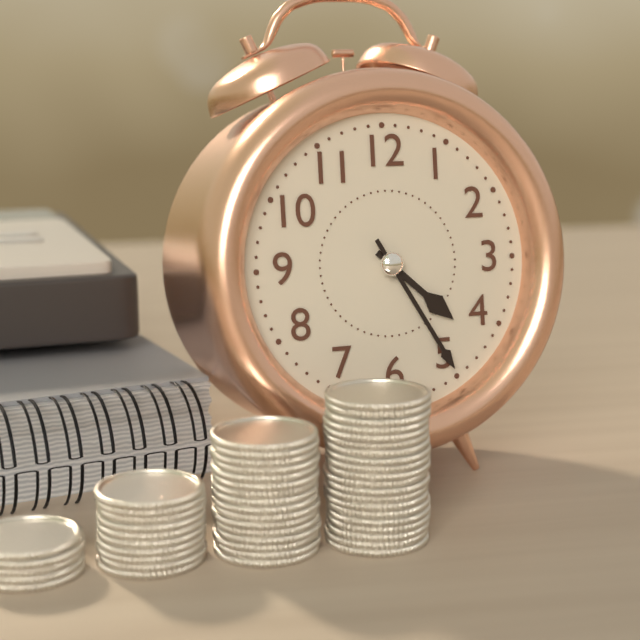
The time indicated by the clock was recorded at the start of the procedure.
4:25
